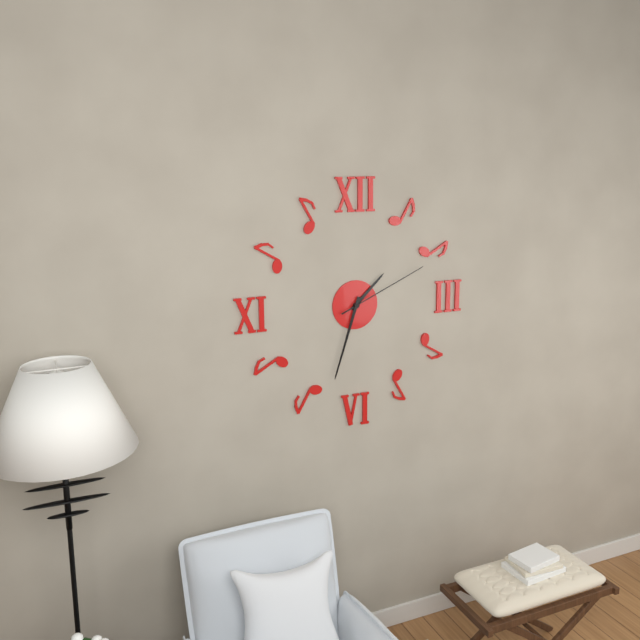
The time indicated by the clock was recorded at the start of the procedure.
1:33:11
